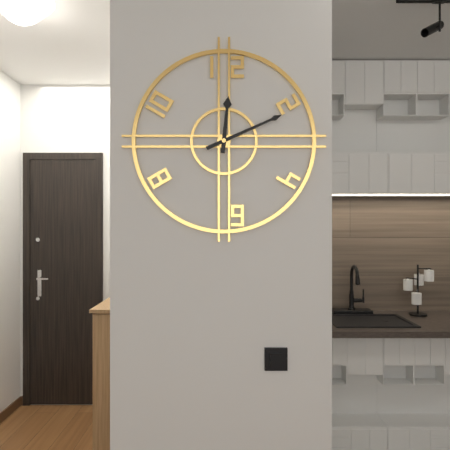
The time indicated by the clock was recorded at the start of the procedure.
12:11
